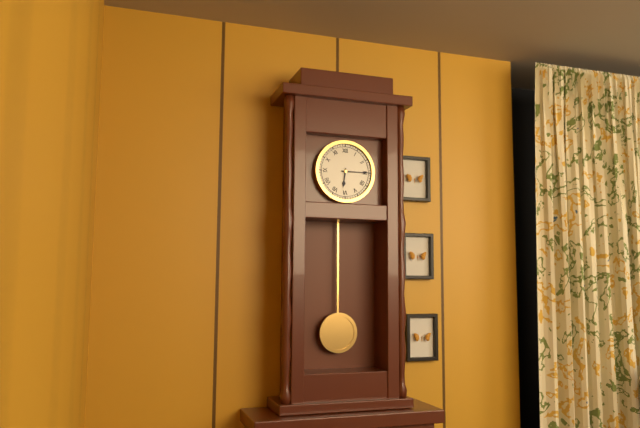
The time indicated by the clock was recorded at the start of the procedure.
6:15
